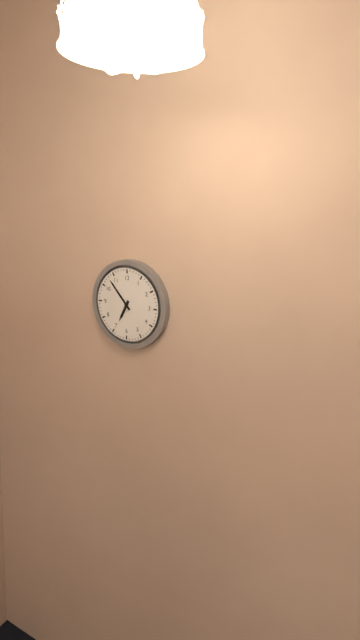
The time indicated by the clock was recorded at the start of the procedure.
6:53
